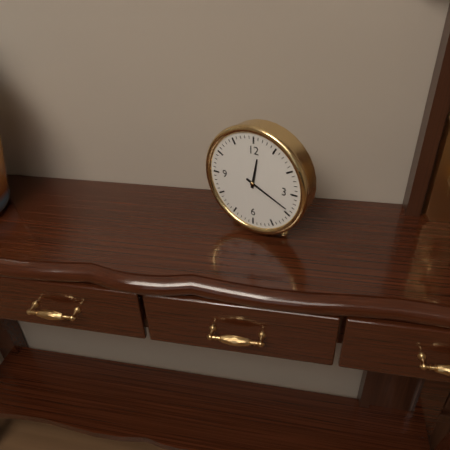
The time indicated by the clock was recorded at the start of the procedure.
12:19
